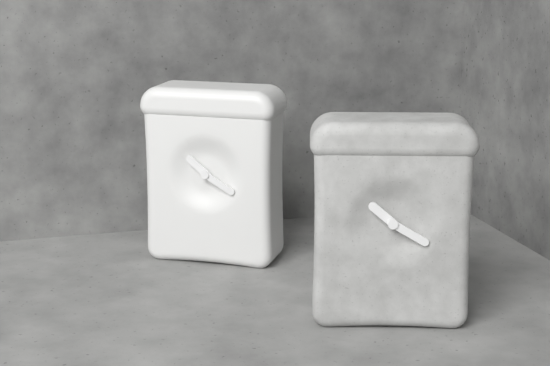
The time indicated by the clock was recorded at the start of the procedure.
10:20
